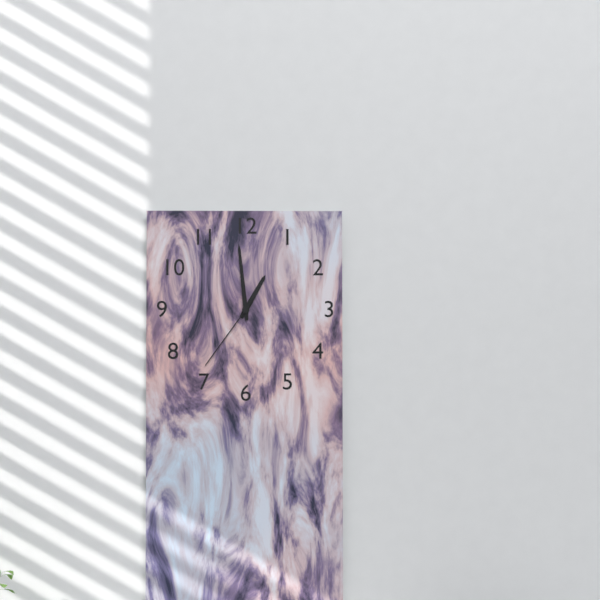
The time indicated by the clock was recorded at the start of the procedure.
12:59:36
